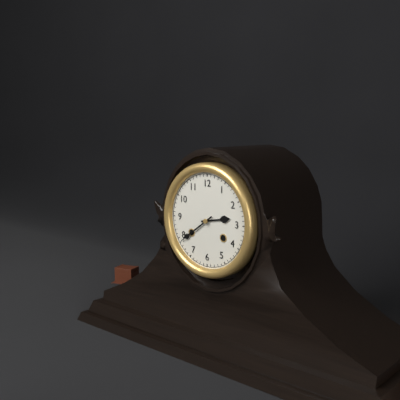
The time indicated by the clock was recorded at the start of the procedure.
2:39
